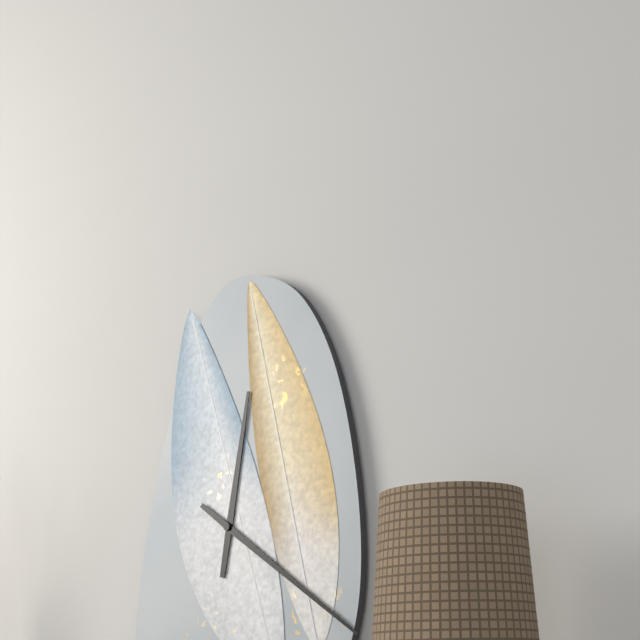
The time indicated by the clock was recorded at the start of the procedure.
12:21
